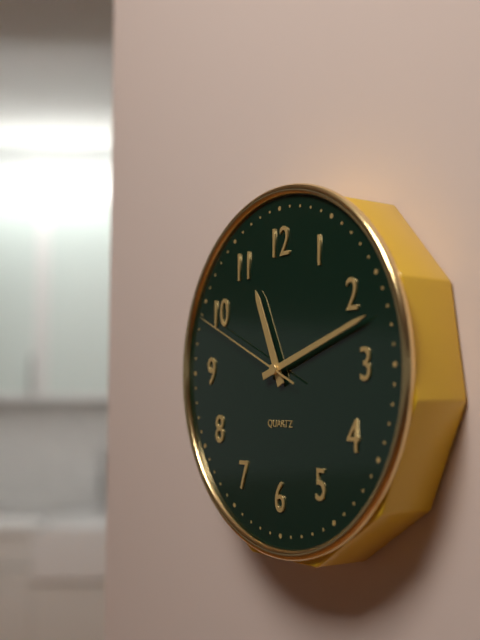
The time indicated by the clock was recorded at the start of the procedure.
11:12:49
